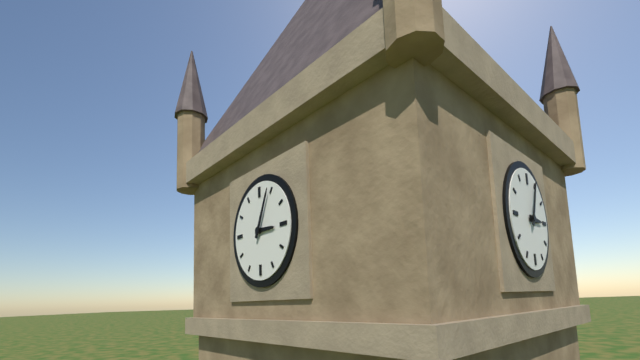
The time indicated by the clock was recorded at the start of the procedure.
3:04
